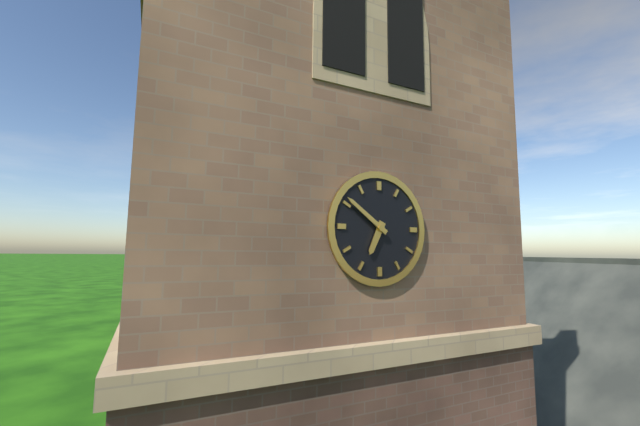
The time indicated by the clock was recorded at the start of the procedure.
6:51
